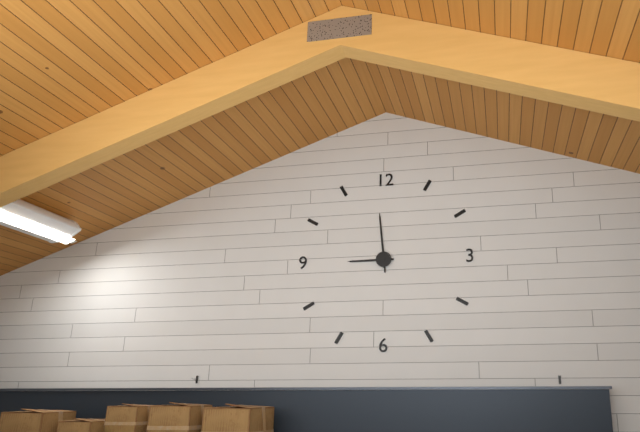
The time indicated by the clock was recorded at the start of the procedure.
8:59
